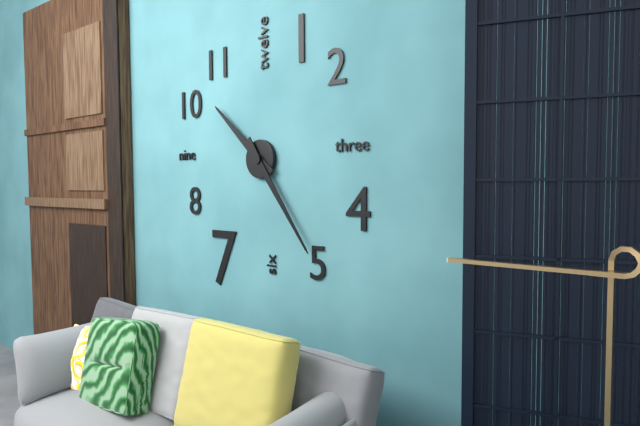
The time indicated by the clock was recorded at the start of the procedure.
10:24
